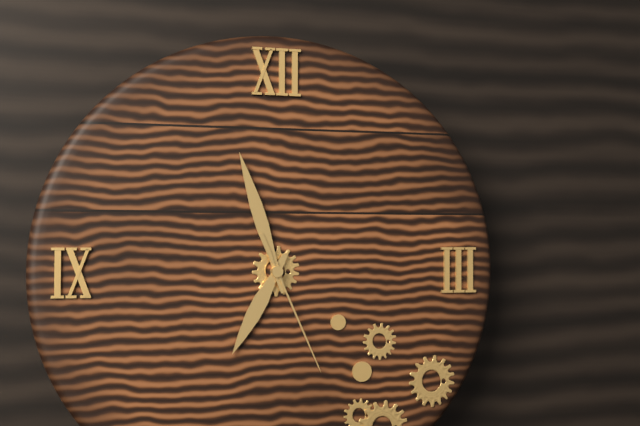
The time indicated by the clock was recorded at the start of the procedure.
6:57:26
